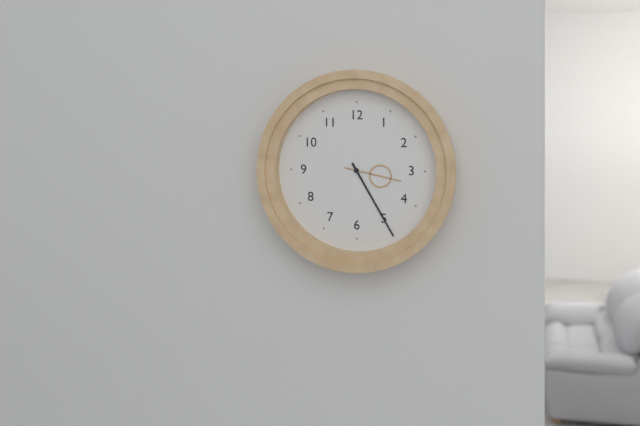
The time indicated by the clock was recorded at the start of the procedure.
3:25
